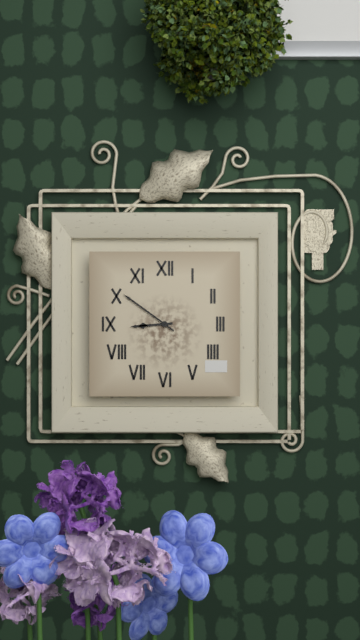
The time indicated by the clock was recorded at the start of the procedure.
8:51
